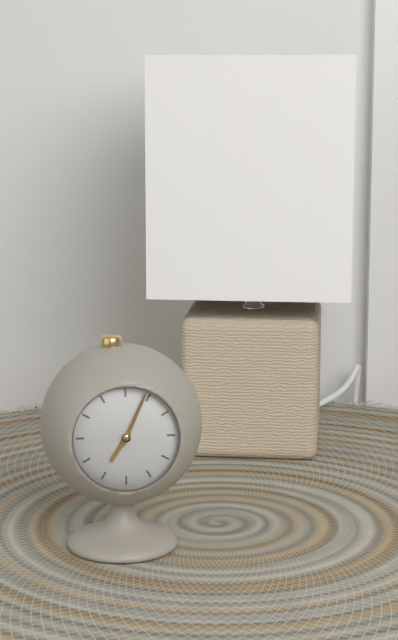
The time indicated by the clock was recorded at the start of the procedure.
7:04
